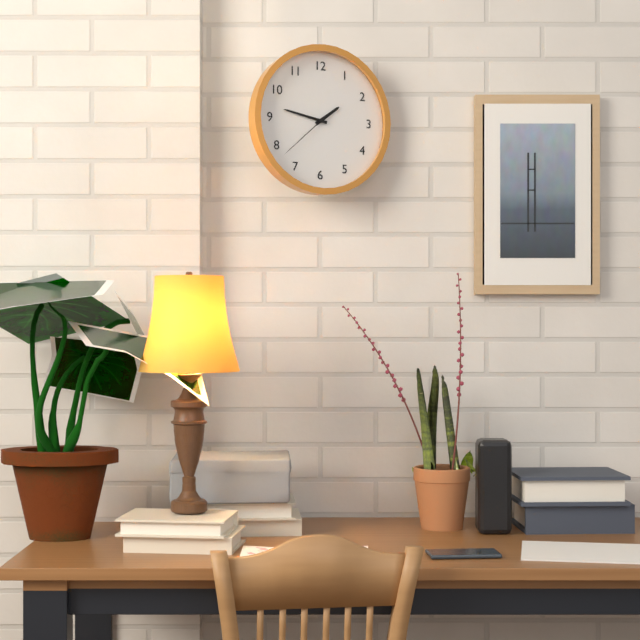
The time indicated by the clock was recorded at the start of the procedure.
1:47:38
